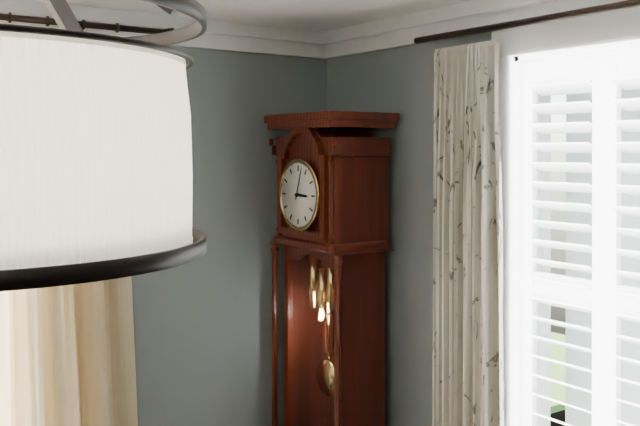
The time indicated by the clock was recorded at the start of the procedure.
3:03
